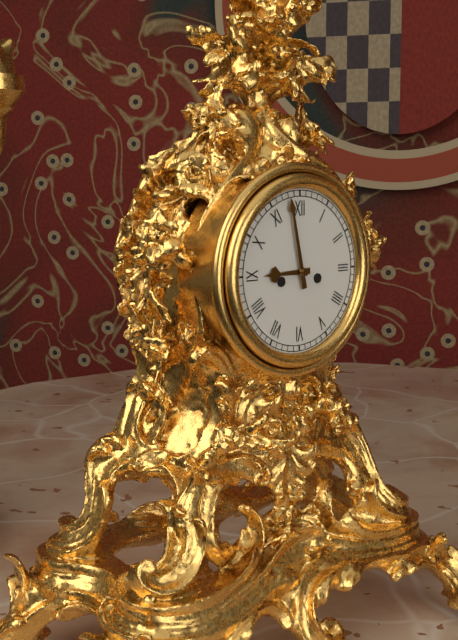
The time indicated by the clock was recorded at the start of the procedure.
8:58
